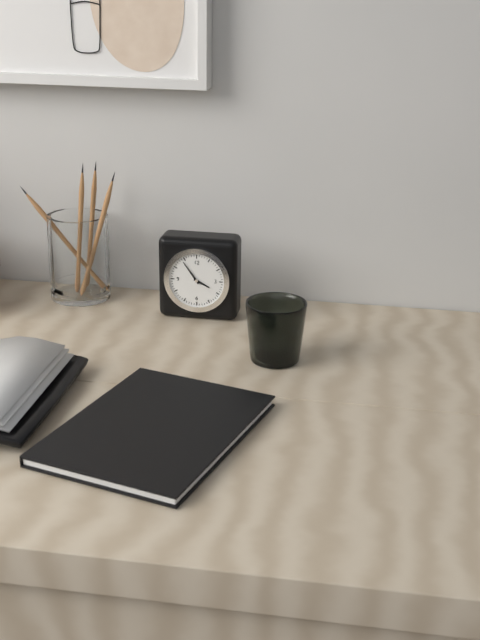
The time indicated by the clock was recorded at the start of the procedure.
3:54
